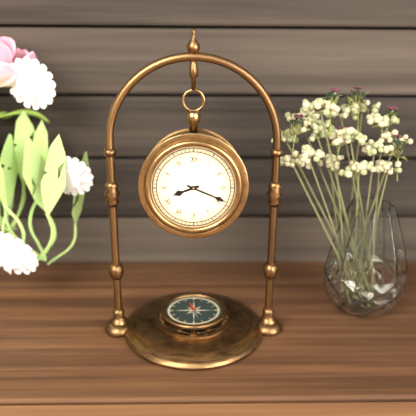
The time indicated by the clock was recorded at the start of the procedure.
8:19
